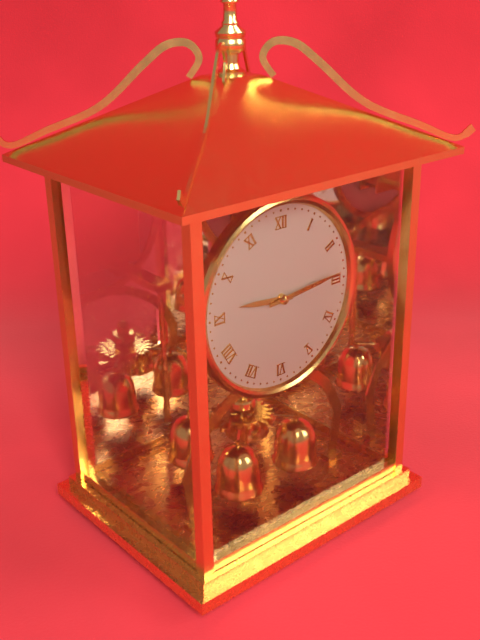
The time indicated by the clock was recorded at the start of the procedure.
9:14
